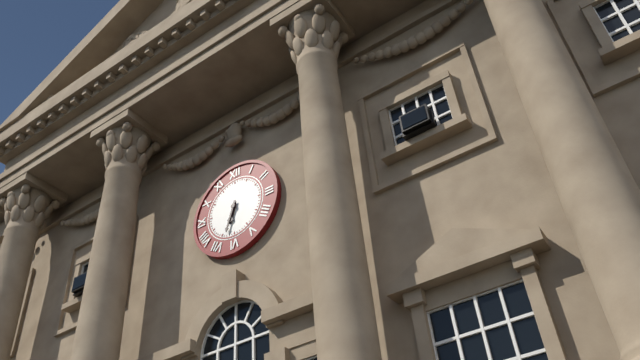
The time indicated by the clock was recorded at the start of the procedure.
6:33
